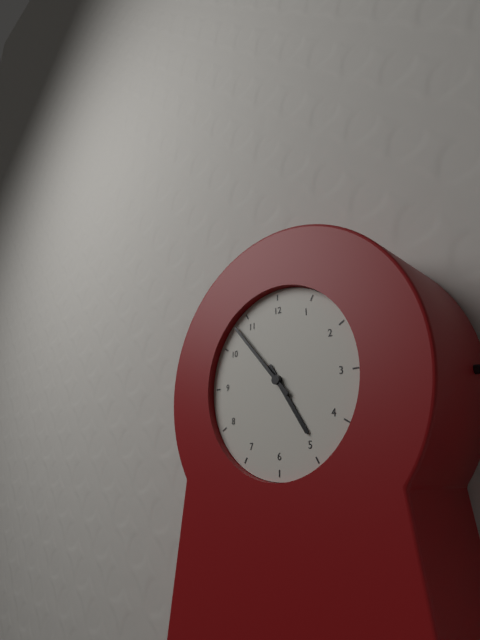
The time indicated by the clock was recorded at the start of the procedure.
4:53
